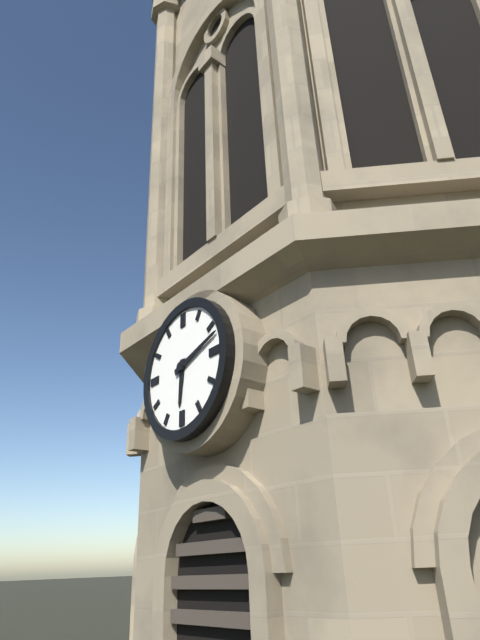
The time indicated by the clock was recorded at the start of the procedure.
6:12
